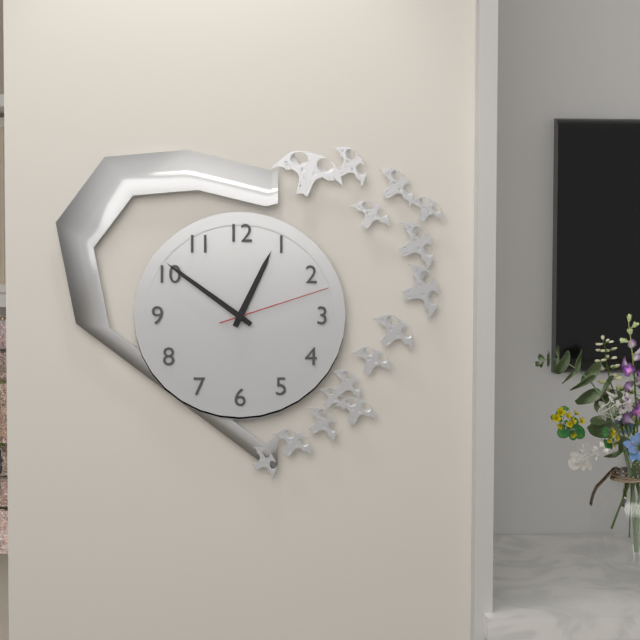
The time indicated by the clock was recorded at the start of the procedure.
12:51:12
